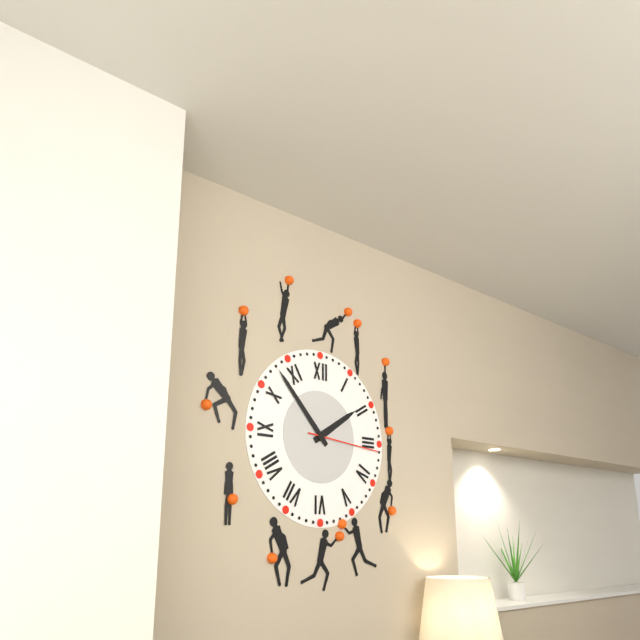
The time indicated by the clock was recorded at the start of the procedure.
1:53:16
